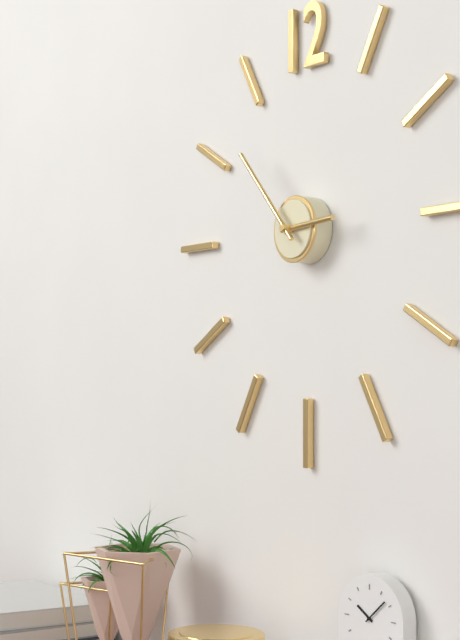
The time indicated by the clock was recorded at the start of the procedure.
2:53
